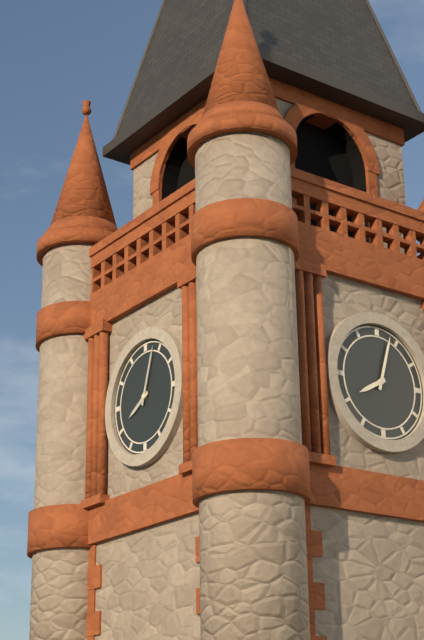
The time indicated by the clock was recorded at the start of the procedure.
8:03
